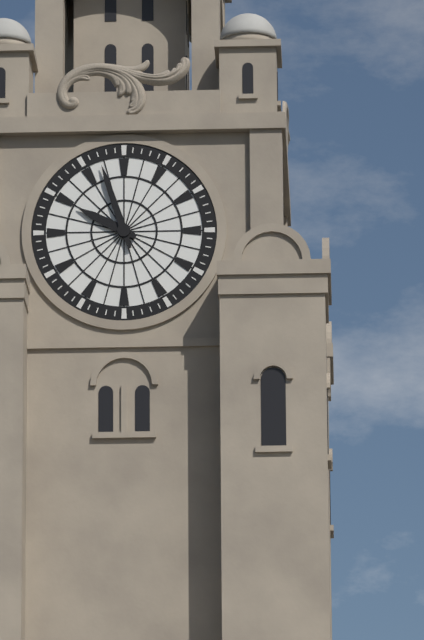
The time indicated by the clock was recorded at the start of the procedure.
9:57
